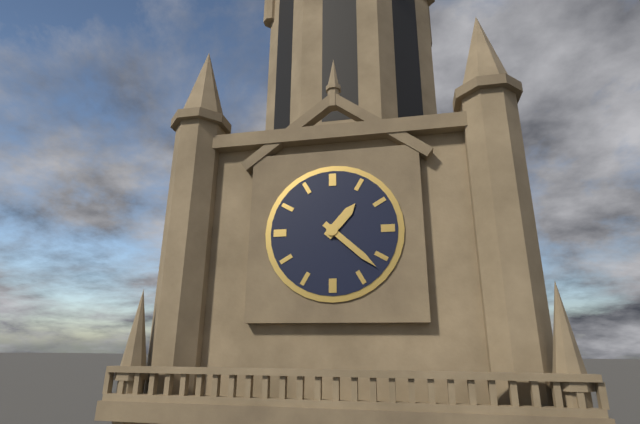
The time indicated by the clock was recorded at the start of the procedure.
1:22
